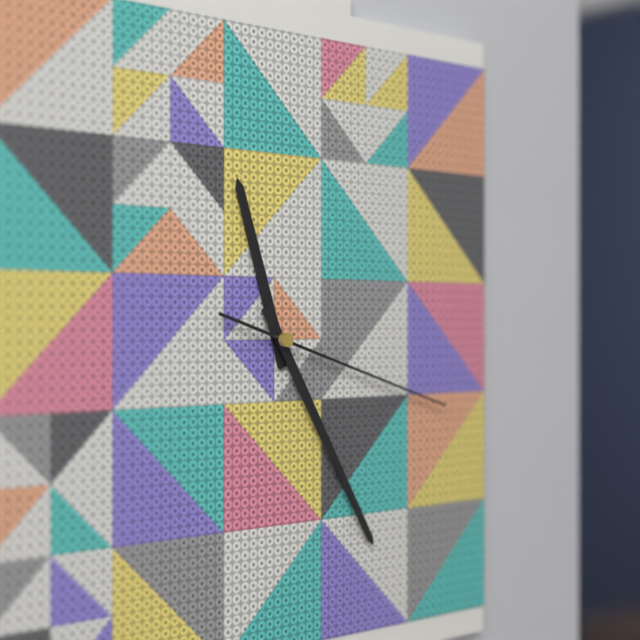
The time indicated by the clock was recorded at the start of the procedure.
11:25:18
